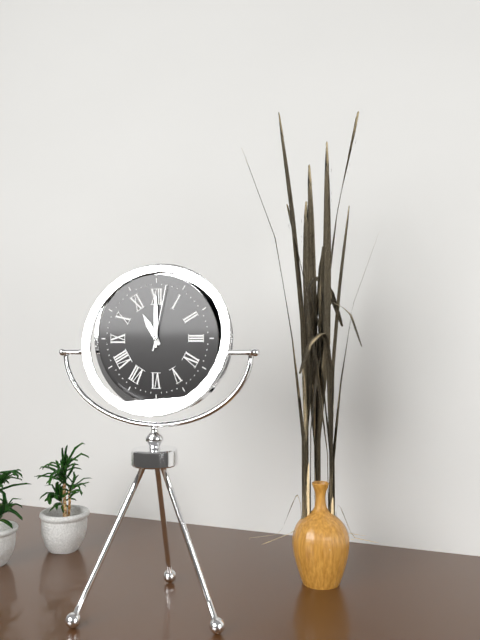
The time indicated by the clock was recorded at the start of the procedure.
11:00:02
